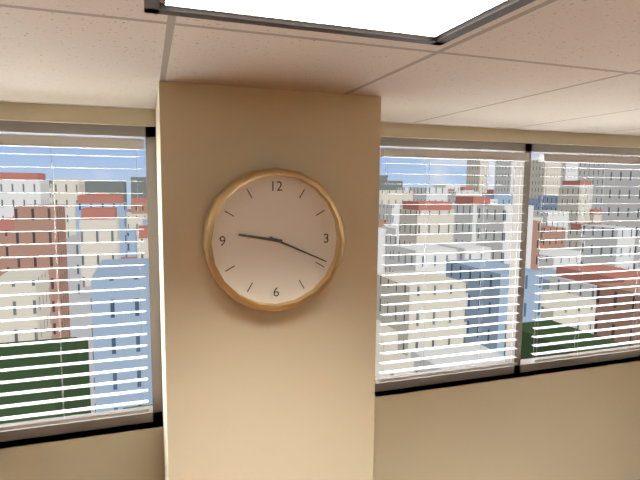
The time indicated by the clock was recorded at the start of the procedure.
9:19
